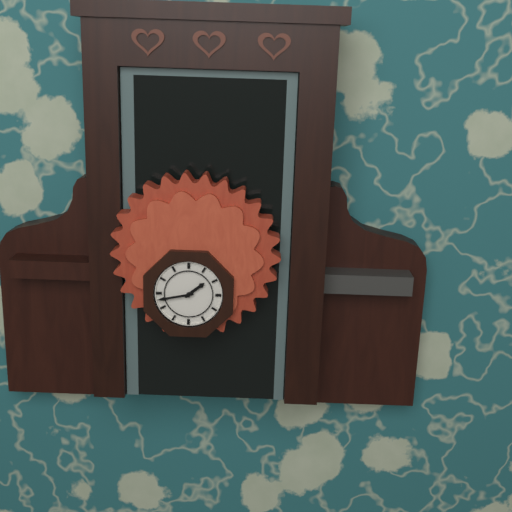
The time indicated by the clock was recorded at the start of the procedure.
1:43
